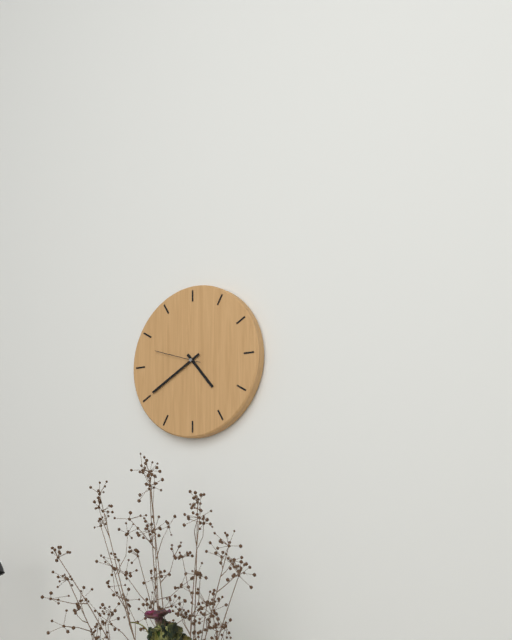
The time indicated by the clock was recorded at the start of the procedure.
4:40:48
